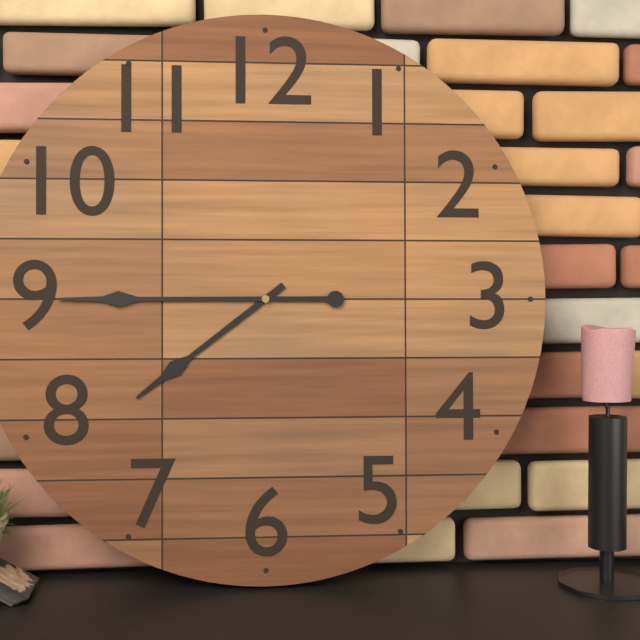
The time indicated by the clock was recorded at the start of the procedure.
7:45
